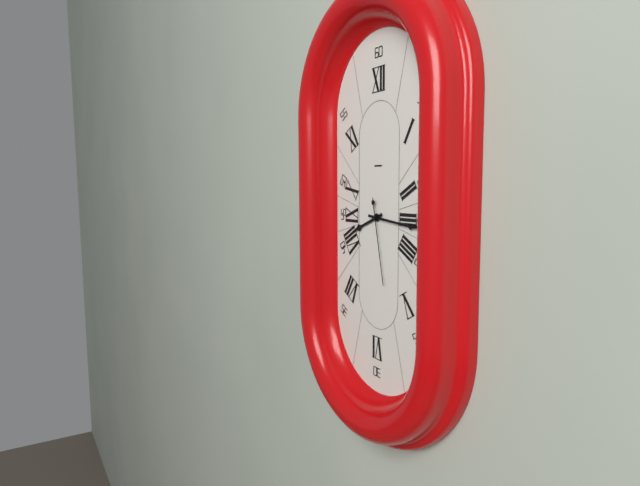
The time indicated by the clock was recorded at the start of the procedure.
8:16:28
